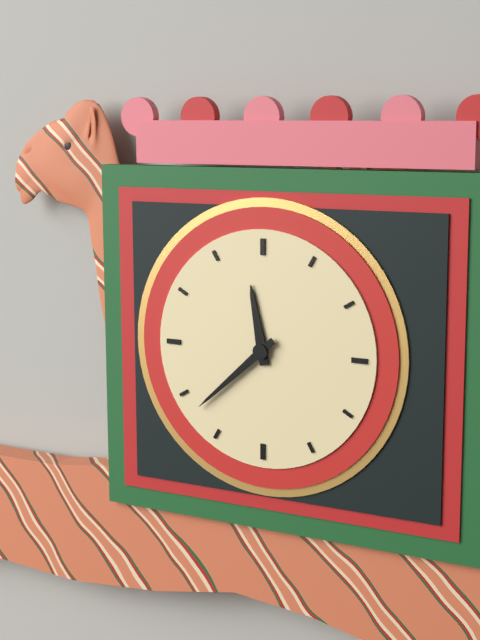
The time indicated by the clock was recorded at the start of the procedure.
11:38
